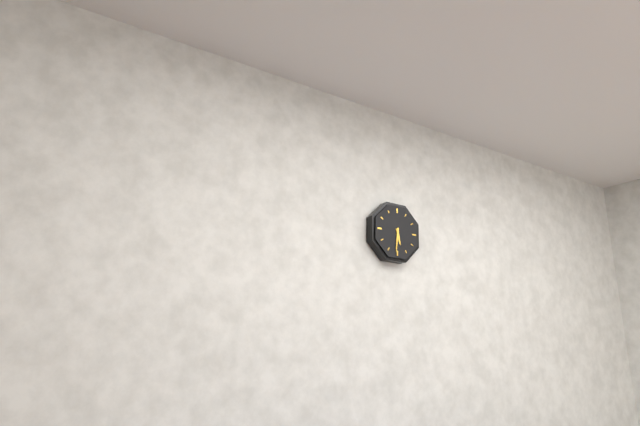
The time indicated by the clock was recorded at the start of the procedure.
5:31
